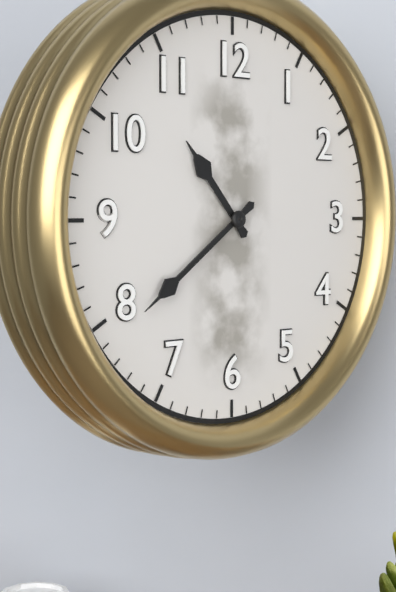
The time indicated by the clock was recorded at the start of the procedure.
10:39
